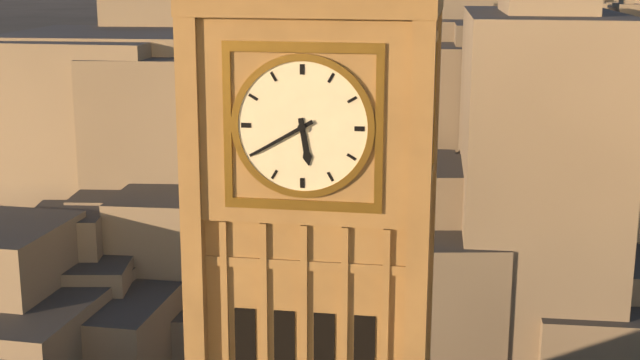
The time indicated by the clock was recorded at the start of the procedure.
5:40
